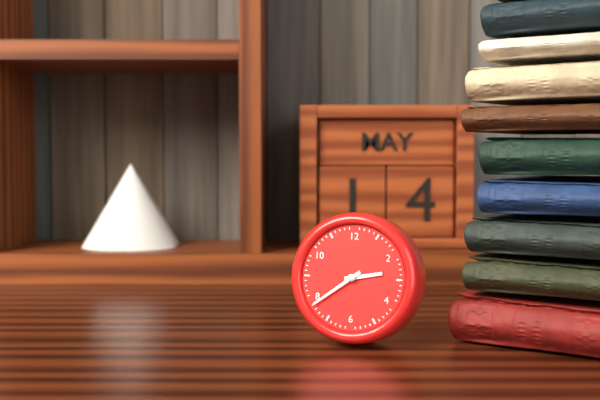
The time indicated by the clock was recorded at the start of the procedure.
2:39
